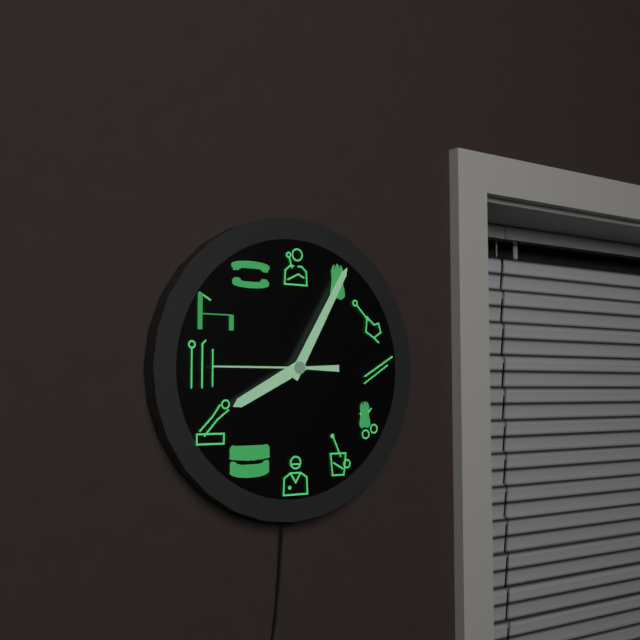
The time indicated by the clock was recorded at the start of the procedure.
8:05:45
